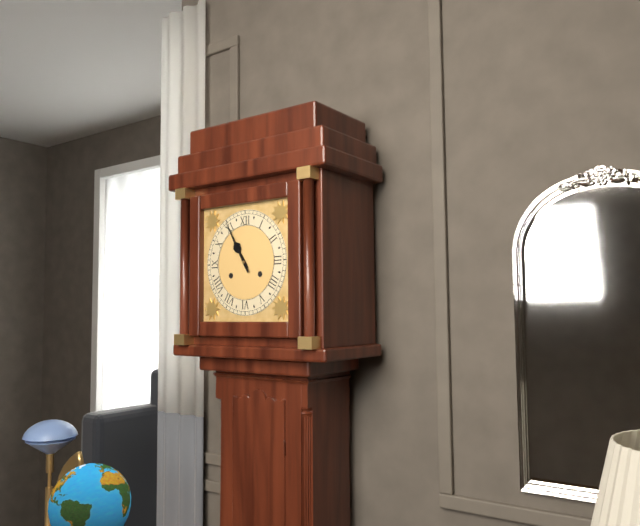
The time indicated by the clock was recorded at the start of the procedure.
10:55
